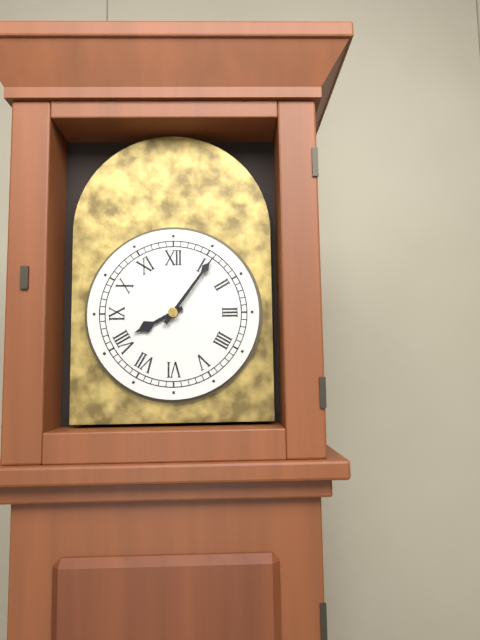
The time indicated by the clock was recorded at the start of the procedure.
8:06
